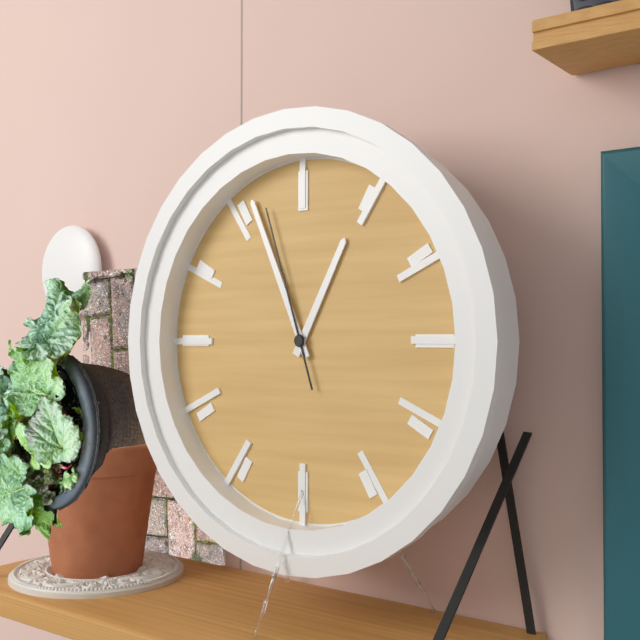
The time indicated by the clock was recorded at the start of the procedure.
12:56:57
